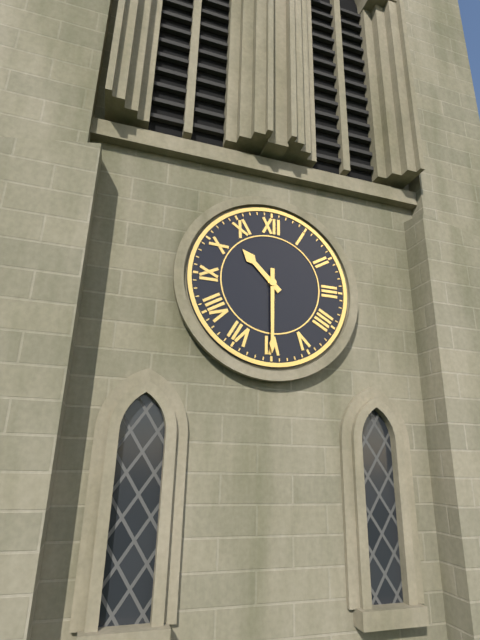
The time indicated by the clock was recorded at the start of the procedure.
10:30
